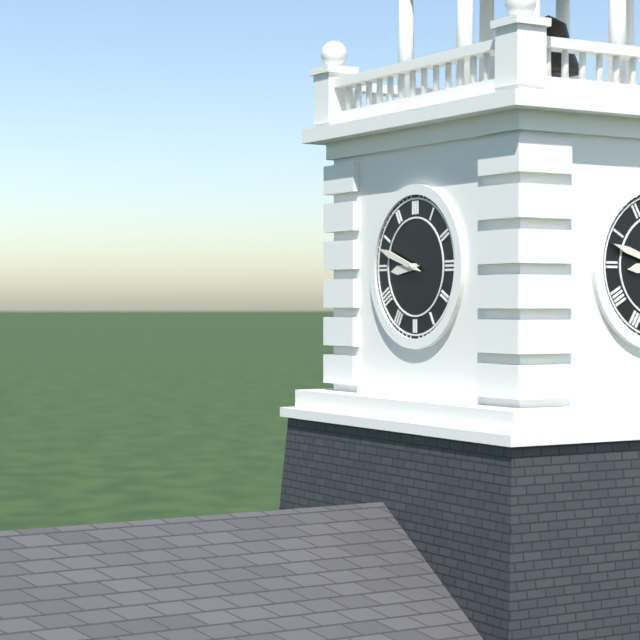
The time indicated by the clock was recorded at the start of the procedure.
8:48
